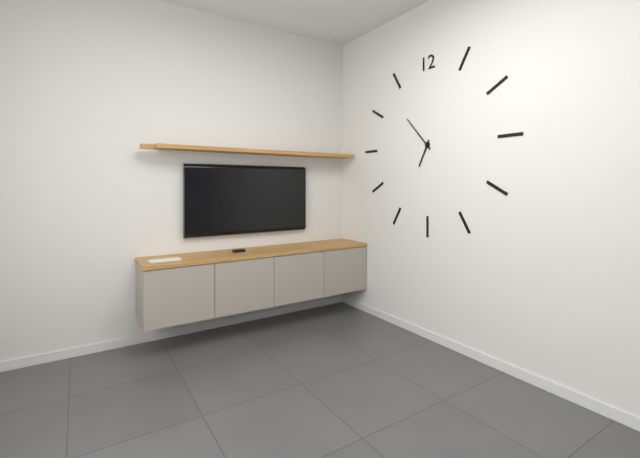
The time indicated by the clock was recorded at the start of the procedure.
6:53
